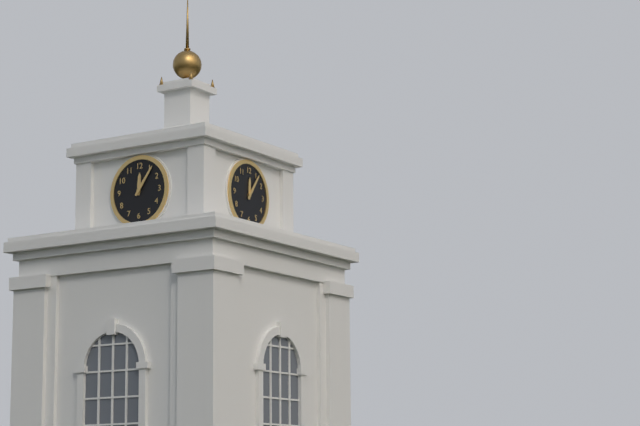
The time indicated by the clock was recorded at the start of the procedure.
12:06
